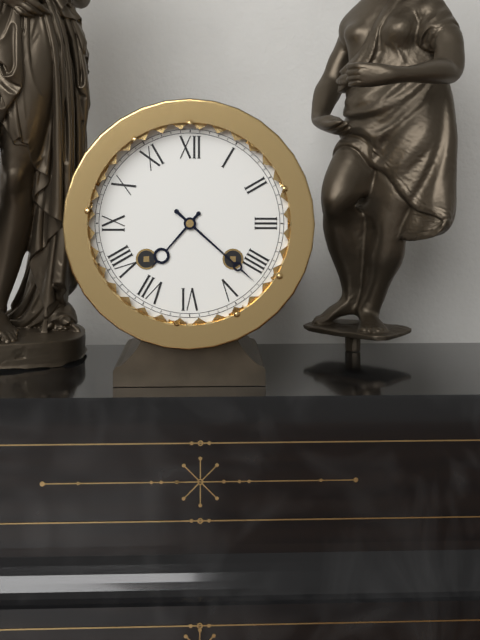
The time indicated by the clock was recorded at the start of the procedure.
7:22
